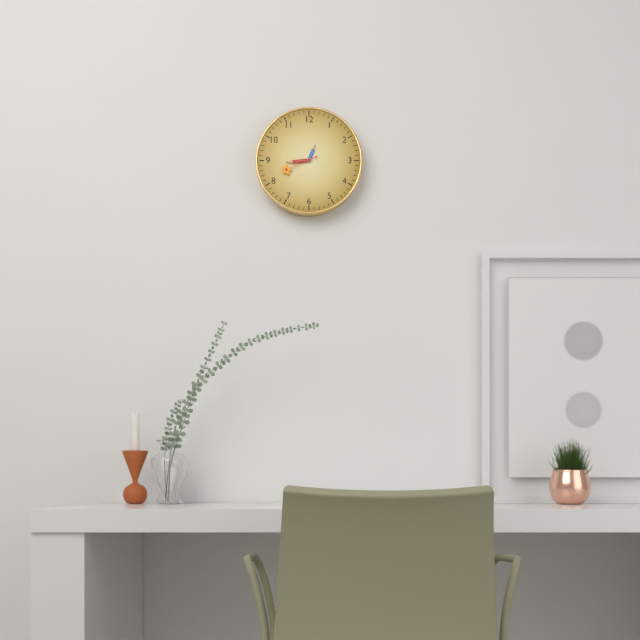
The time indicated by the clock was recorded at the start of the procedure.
12:44
